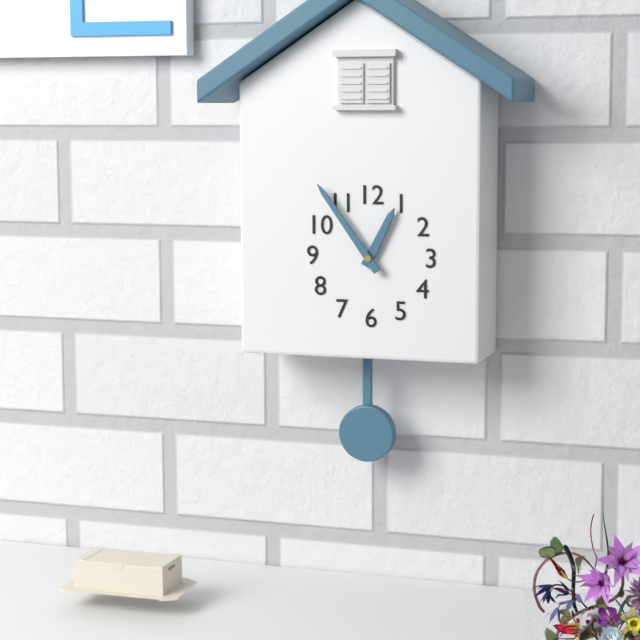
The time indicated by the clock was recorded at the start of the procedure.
12:54
